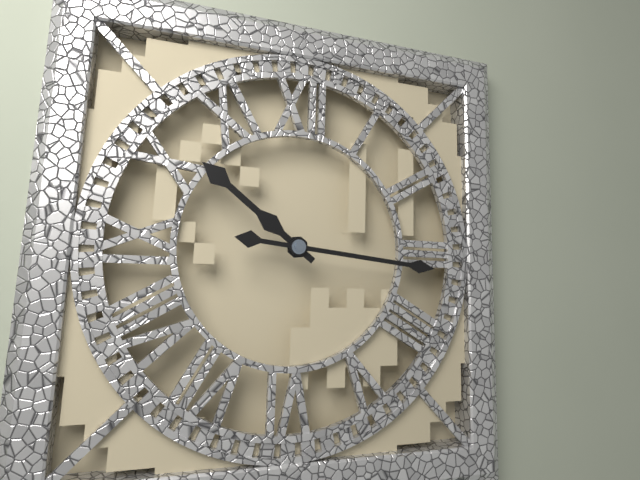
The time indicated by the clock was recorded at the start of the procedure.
10:16
